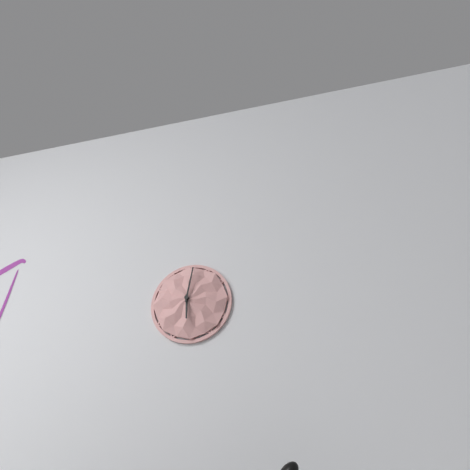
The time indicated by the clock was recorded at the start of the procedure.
6:02
